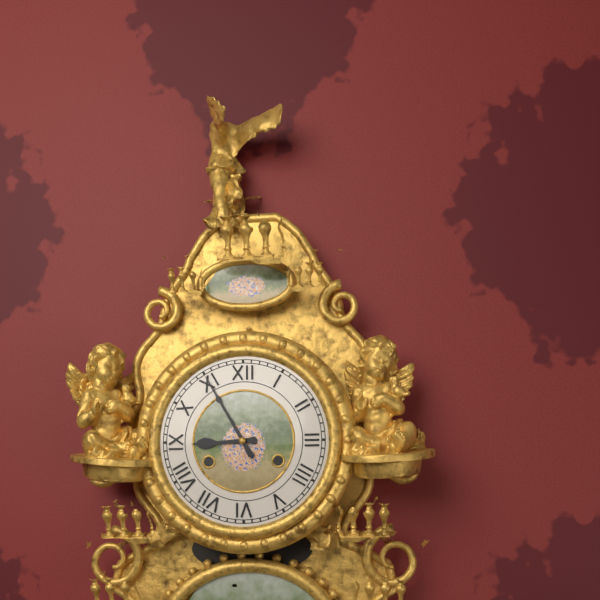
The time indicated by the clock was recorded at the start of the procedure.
8:55
